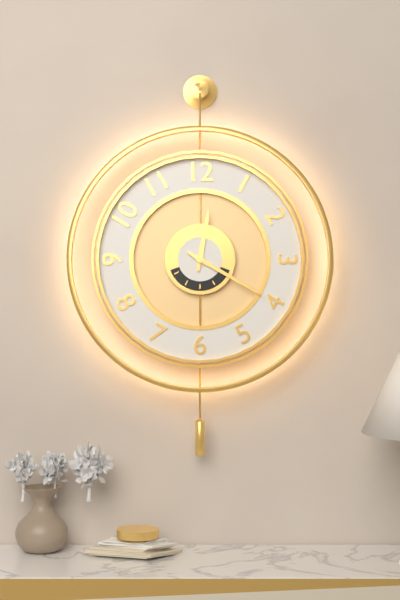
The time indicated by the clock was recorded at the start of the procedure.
12:20
